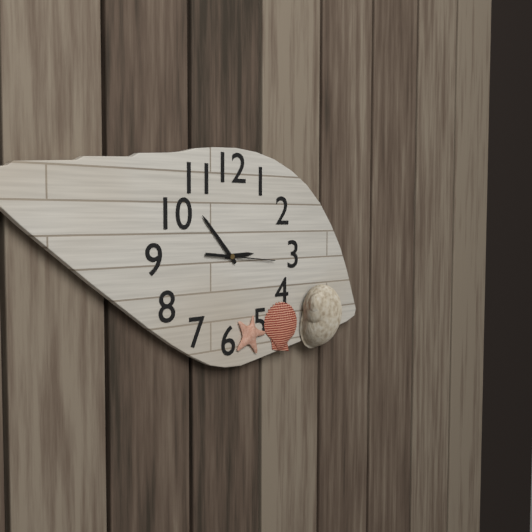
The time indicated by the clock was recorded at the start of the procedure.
2:53:16
